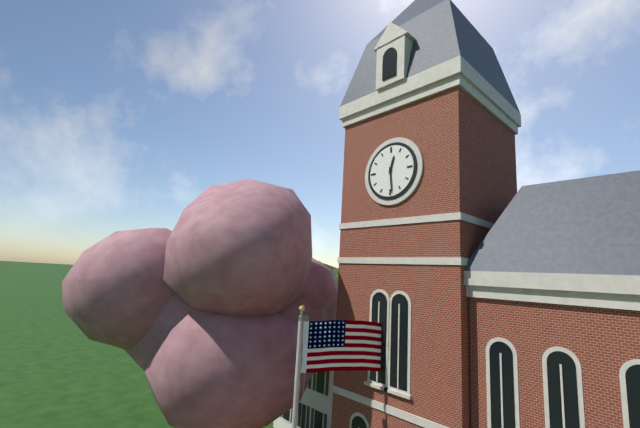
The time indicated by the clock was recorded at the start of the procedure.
12:29
